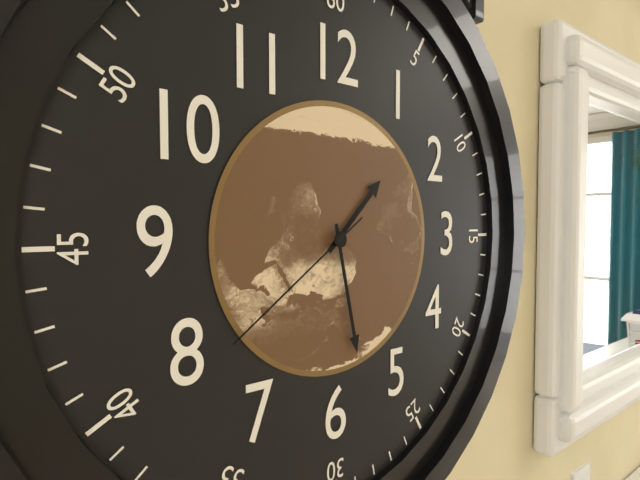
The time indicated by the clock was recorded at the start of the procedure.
1:28:39
